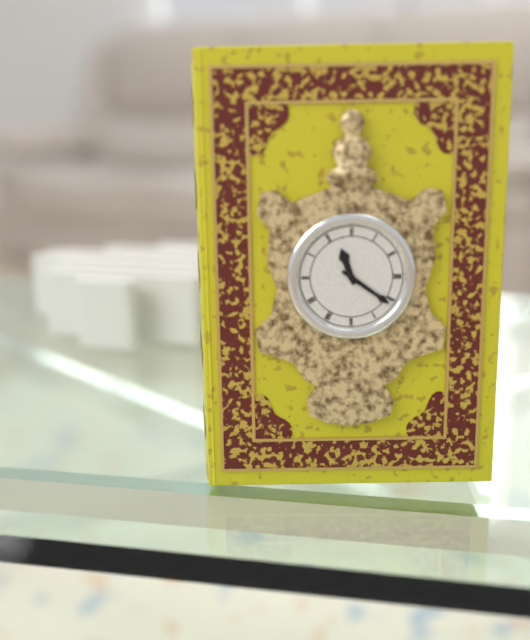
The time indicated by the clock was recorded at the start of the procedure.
11:21
